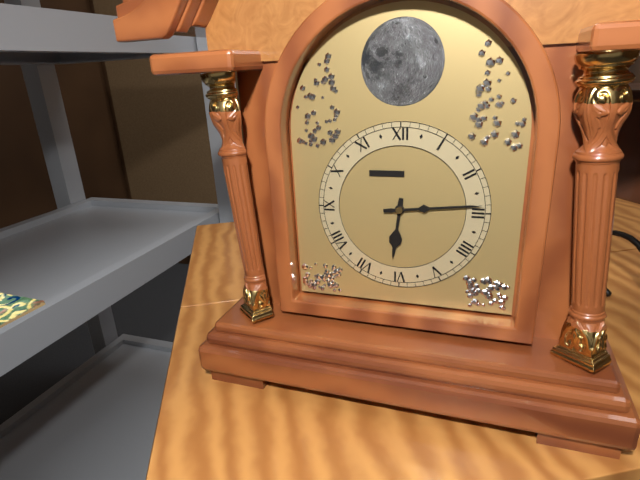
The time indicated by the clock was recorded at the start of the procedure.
6:14
